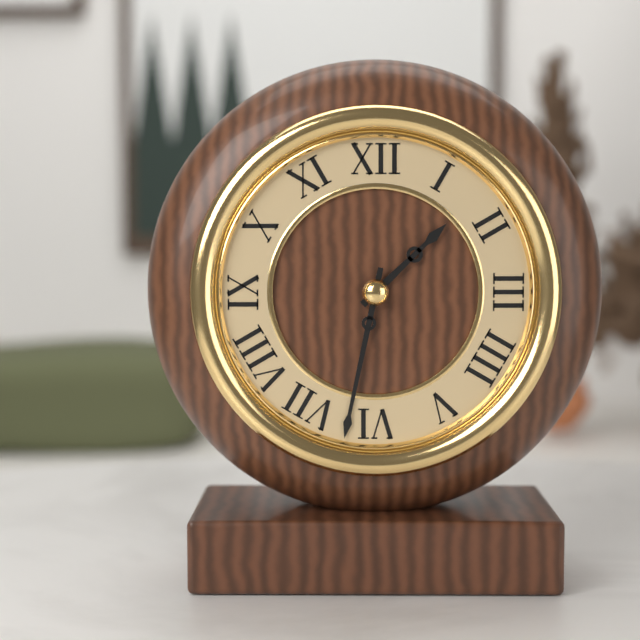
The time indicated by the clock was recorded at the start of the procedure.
1:32
